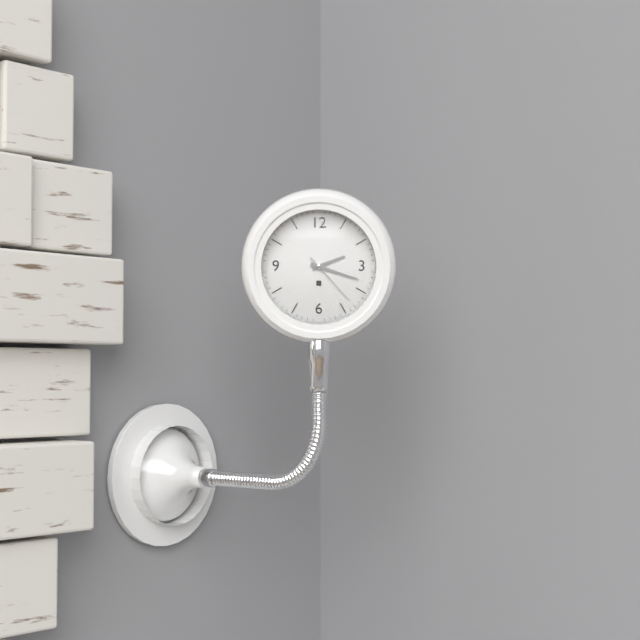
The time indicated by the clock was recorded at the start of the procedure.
2:18:23
